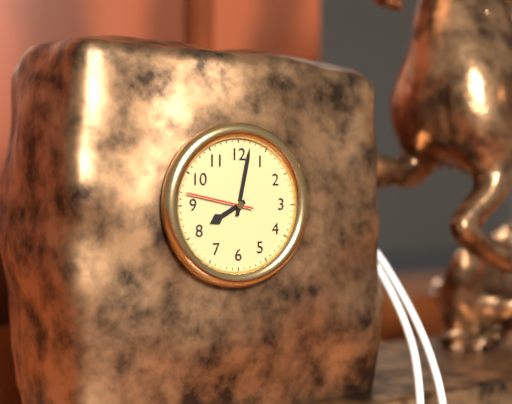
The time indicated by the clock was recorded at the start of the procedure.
8:02:47
